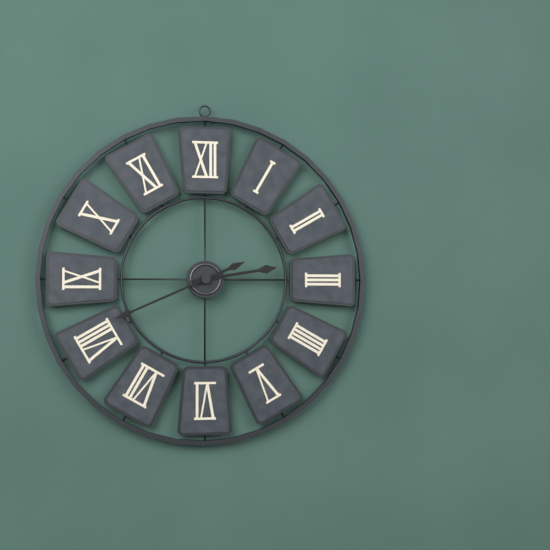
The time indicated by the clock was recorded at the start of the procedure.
2:41
